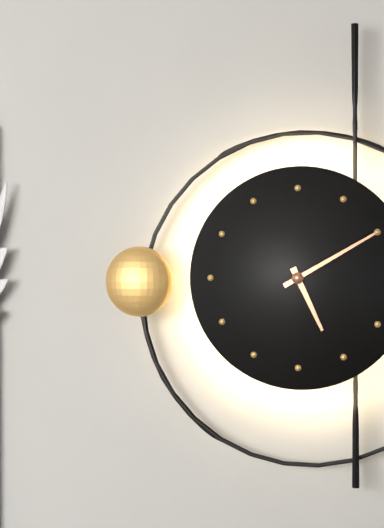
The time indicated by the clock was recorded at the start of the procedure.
5:10
